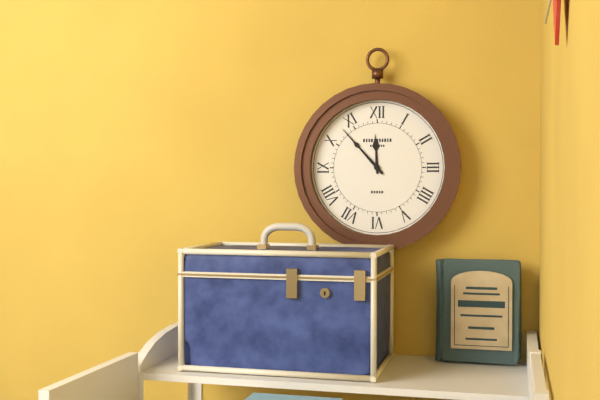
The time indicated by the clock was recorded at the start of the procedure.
11:53
